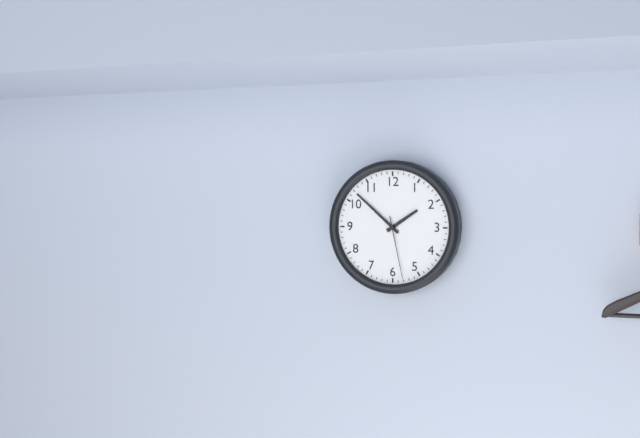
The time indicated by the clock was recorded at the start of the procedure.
1:52:28
